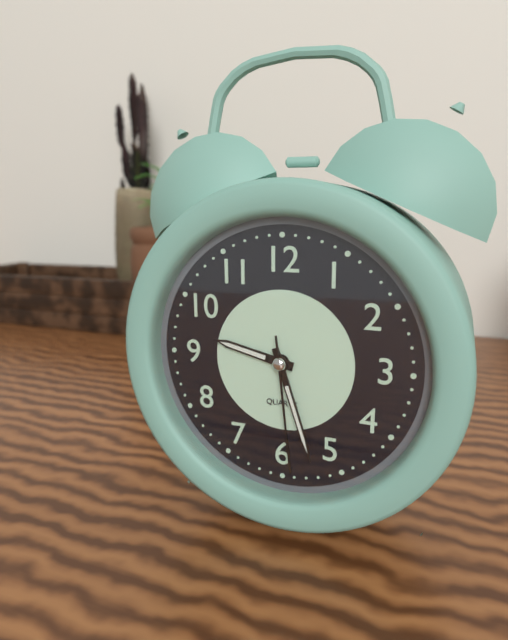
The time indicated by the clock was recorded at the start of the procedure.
9:27:29
